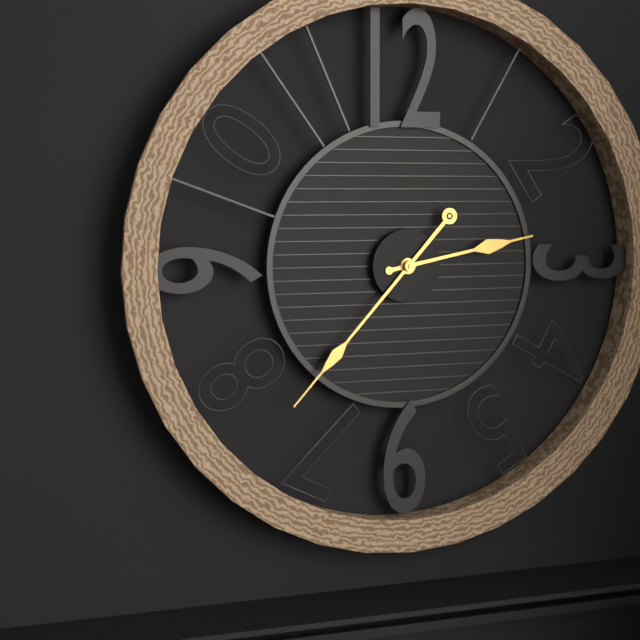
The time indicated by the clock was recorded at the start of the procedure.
2:37
